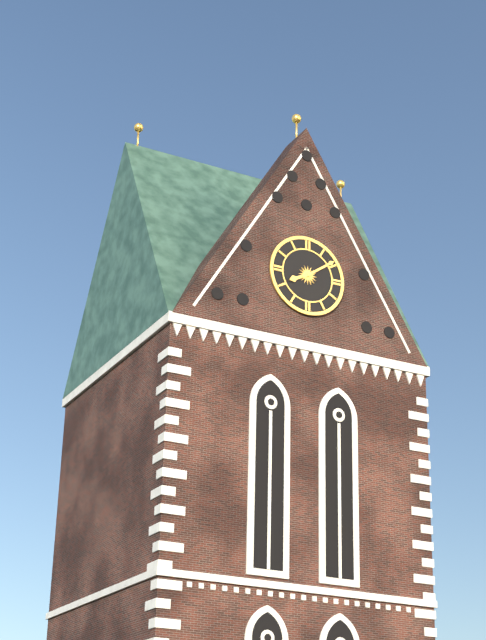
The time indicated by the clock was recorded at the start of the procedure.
8:09
